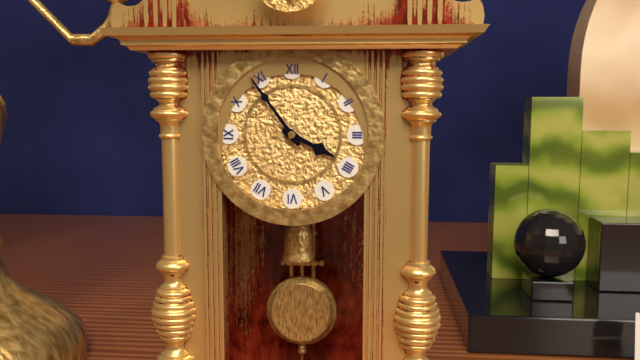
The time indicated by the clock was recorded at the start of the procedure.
3:54
